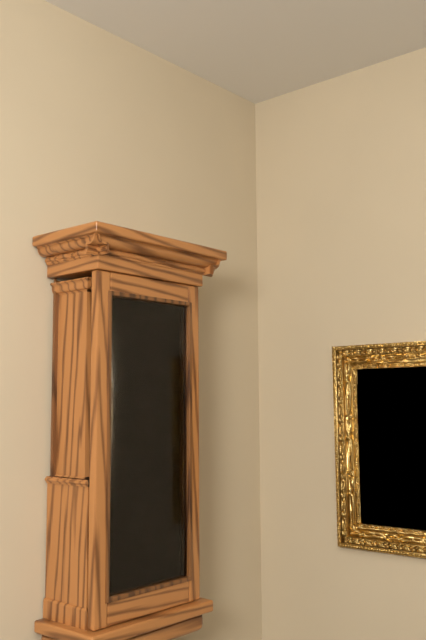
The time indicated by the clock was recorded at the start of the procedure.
1:14
